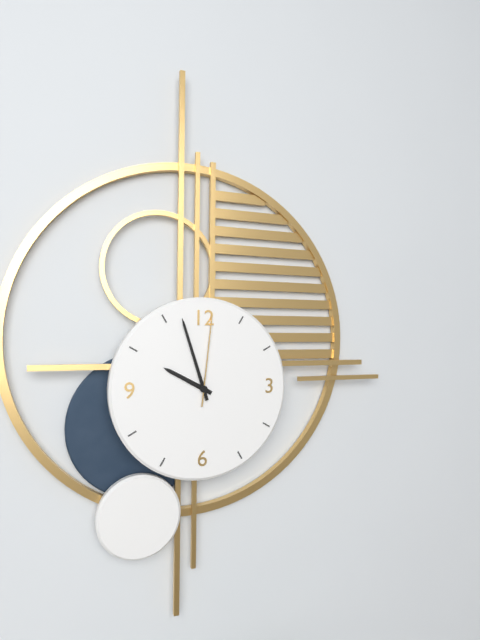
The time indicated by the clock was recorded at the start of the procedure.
9:57:01
